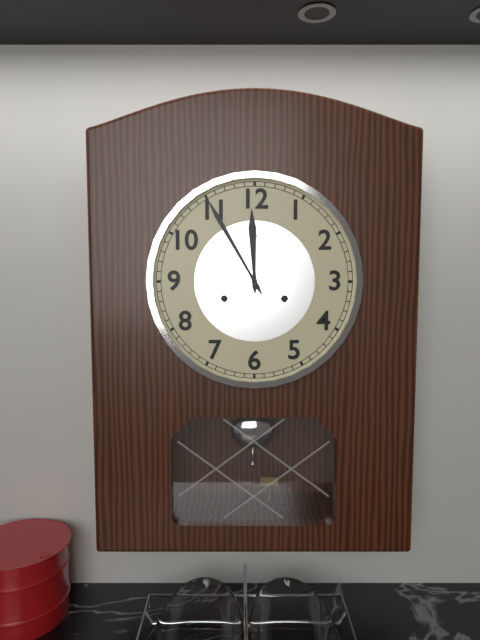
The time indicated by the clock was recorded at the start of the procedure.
11:55
